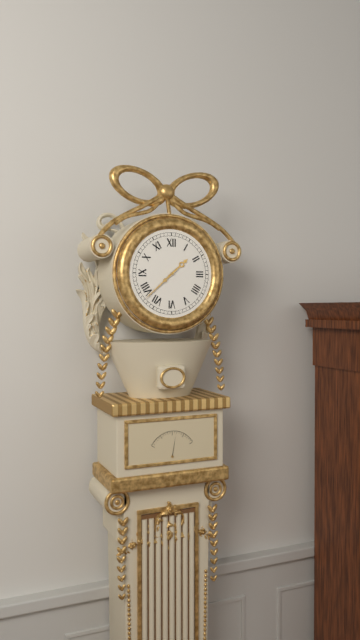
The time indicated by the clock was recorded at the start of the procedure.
1:38
